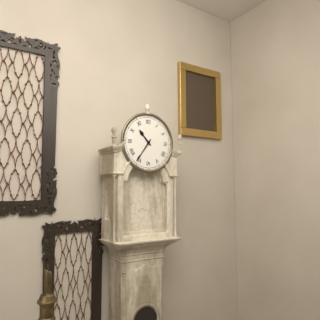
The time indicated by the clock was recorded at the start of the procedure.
10:36
